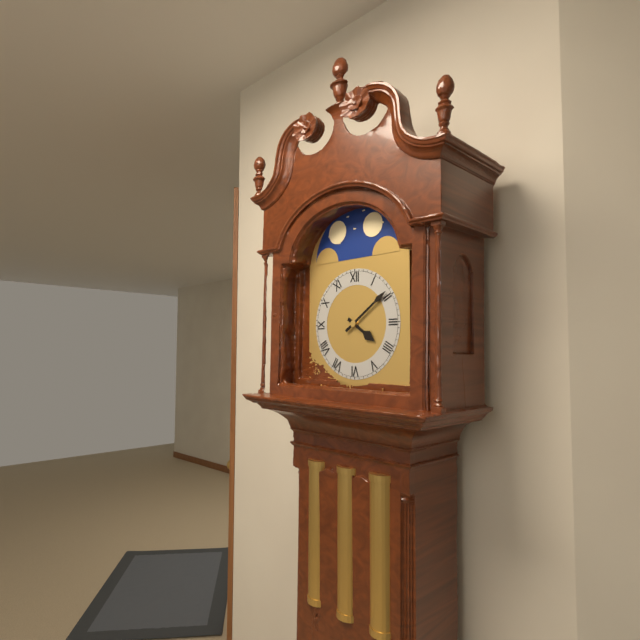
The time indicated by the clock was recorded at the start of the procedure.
4:09
